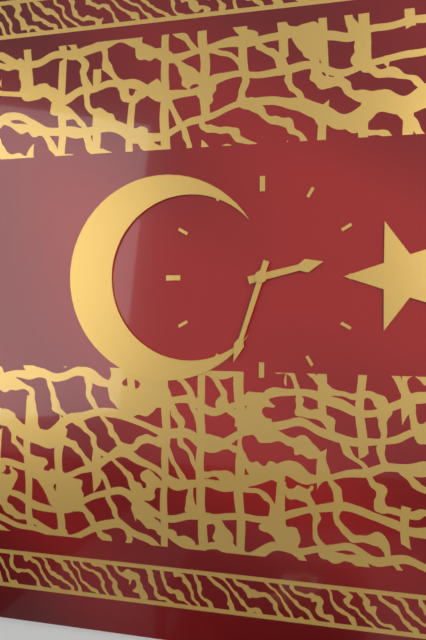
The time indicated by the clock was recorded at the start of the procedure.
2:33
